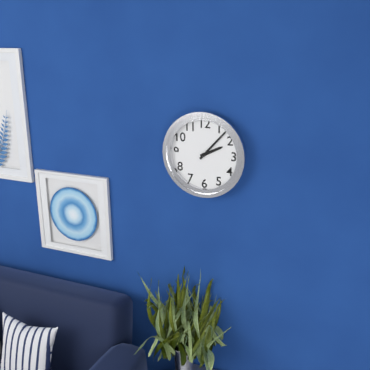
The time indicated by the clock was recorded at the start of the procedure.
2:07
